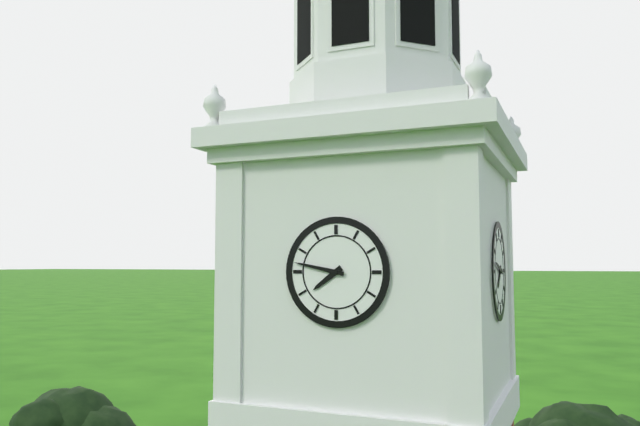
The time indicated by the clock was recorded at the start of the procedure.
7:47
